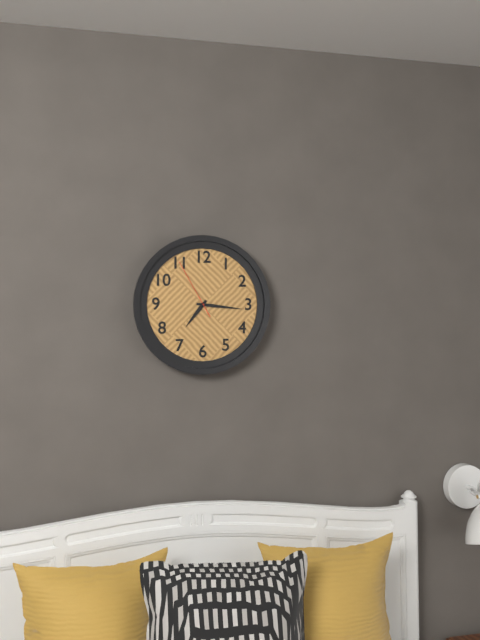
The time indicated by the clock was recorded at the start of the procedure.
7:16:55
